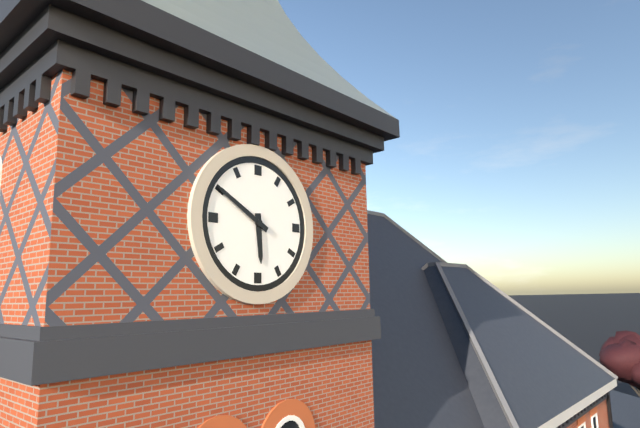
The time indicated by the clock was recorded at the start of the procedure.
5:50
